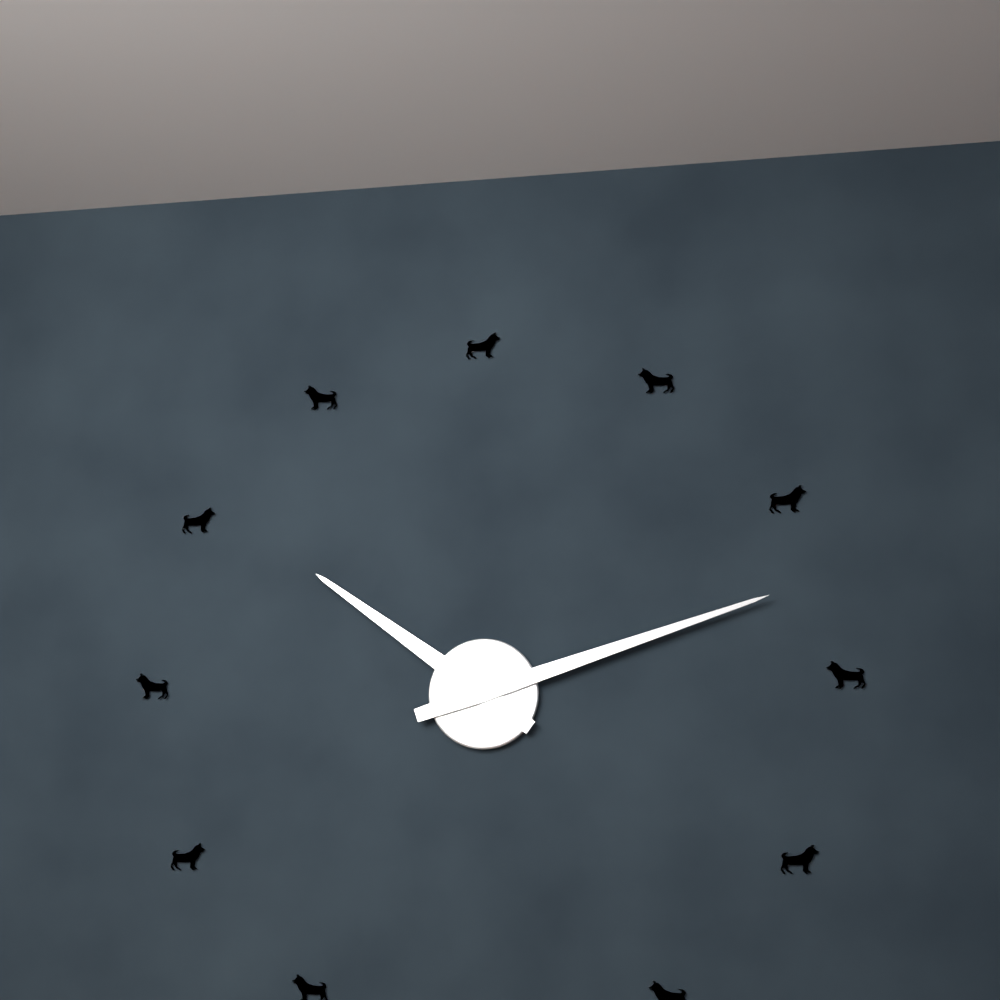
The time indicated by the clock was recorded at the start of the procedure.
10:12
